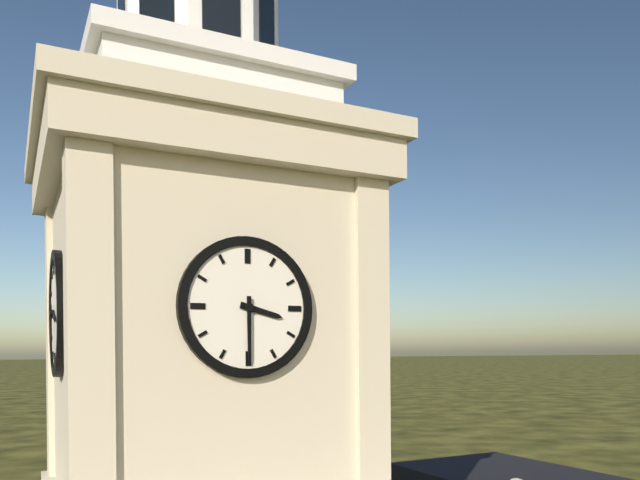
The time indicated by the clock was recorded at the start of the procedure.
3:30
